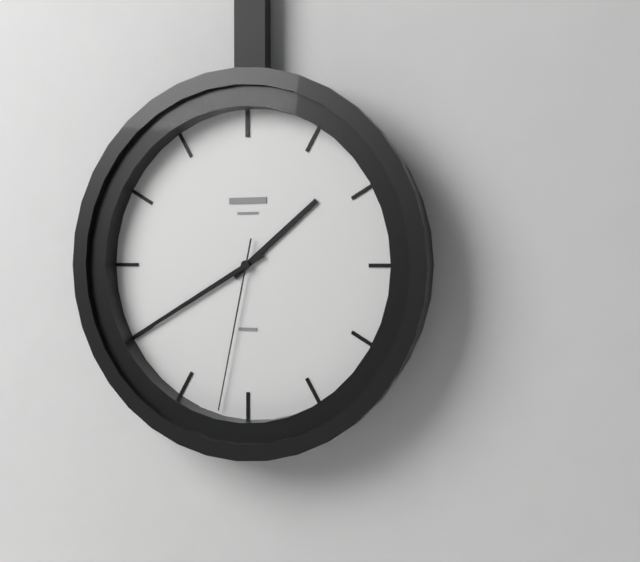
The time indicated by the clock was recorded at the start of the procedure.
1:40:32
